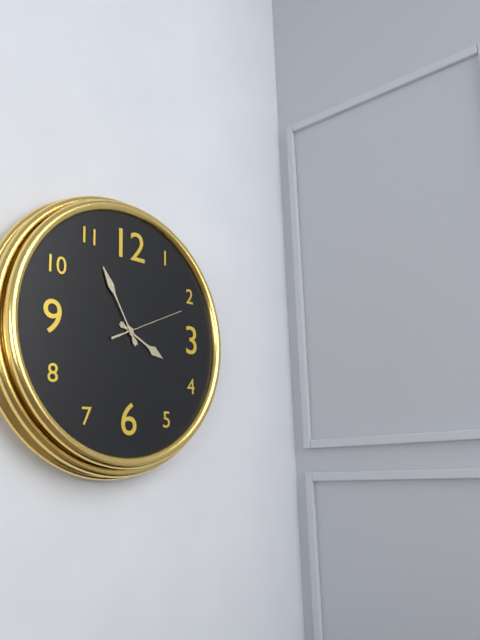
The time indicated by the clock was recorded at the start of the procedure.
3:55:11
